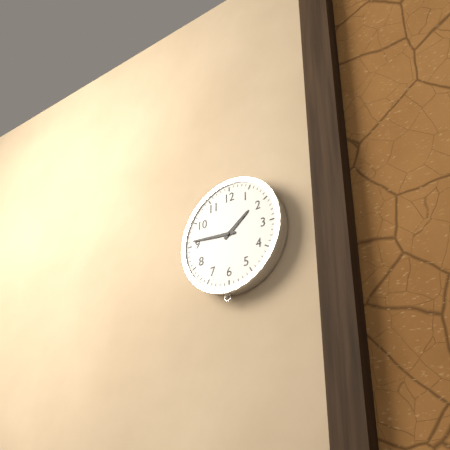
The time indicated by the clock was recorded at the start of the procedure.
1:46
